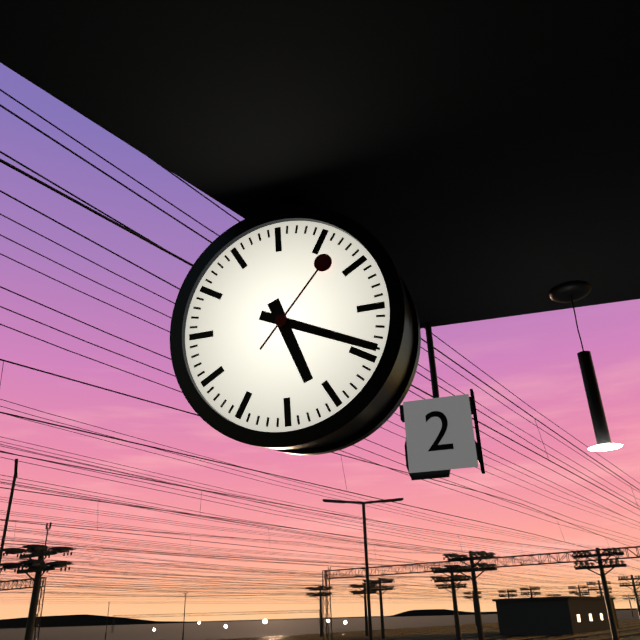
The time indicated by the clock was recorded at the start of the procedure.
5:19:07
